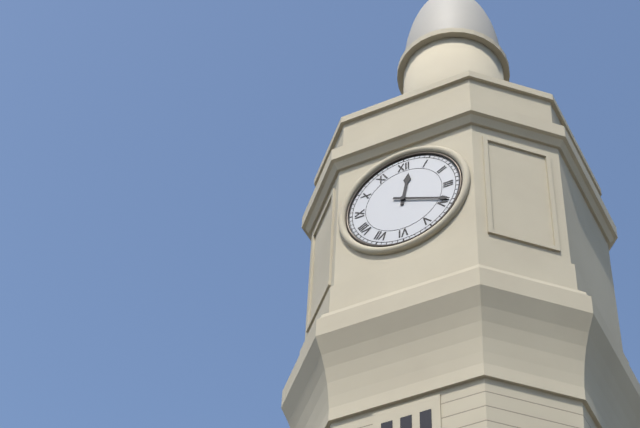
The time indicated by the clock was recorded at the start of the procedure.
12:19
